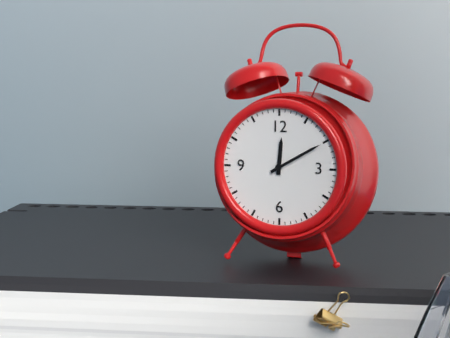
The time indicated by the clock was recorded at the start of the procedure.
12:10
